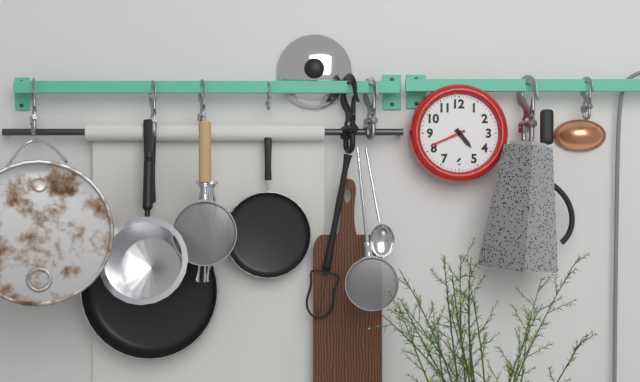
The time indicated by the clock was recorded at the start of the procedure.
4:41
